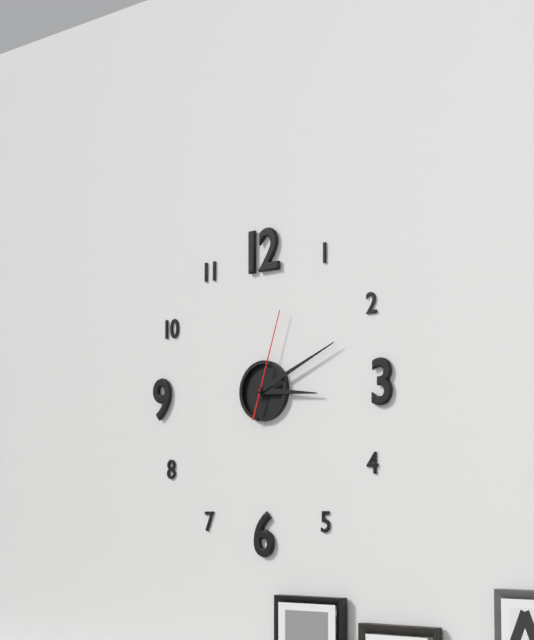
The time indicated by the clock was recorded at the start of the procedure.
3:11:03
